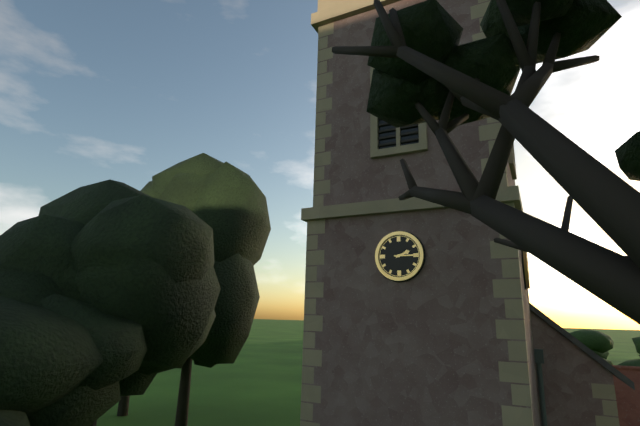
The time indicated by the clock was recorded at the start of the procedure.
2:15
